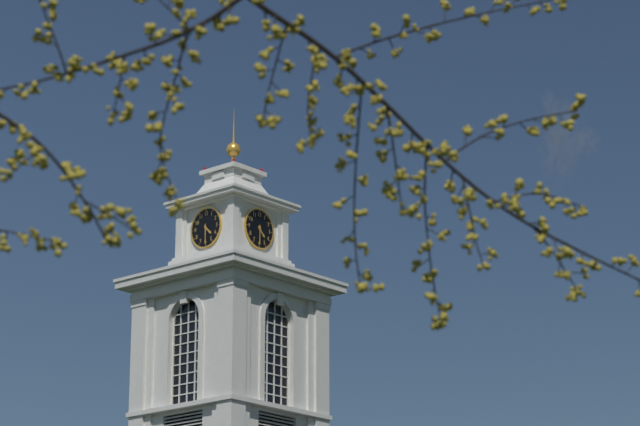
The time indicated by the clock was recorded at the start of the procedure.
4:30
